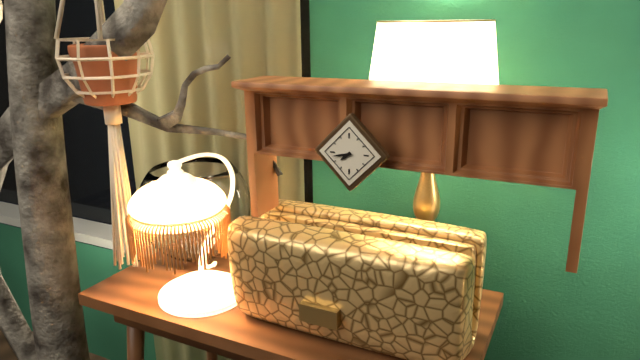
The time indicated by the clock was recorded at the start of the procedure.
7:43
